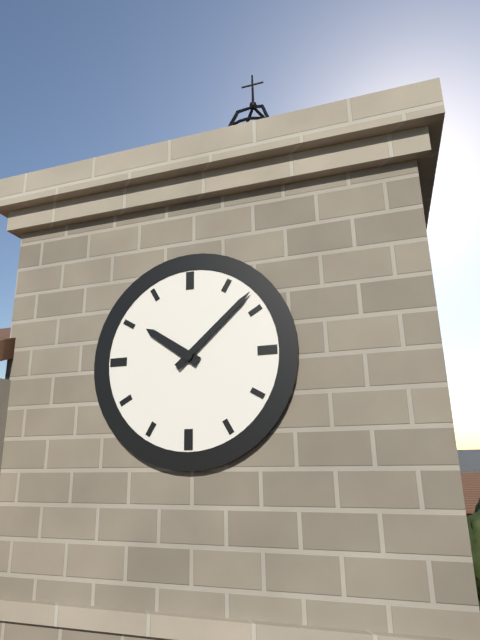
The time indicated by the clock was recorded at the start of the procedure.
10:08
